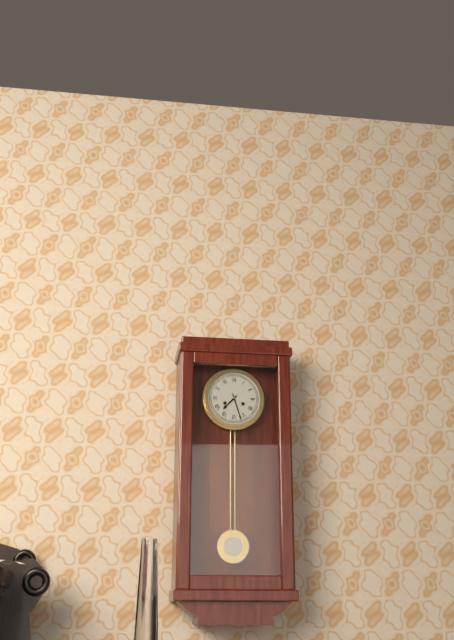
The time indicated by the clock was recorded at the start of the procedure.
7:27
